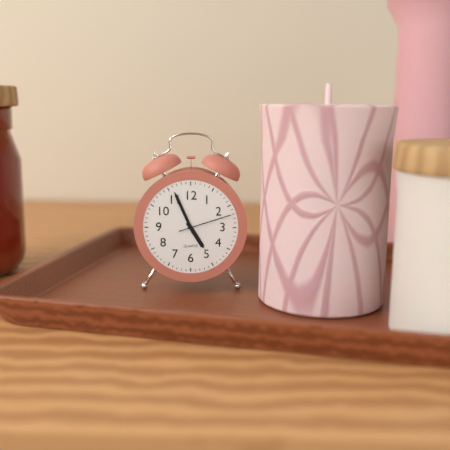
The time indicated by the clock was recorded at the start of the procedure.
4:56:12
